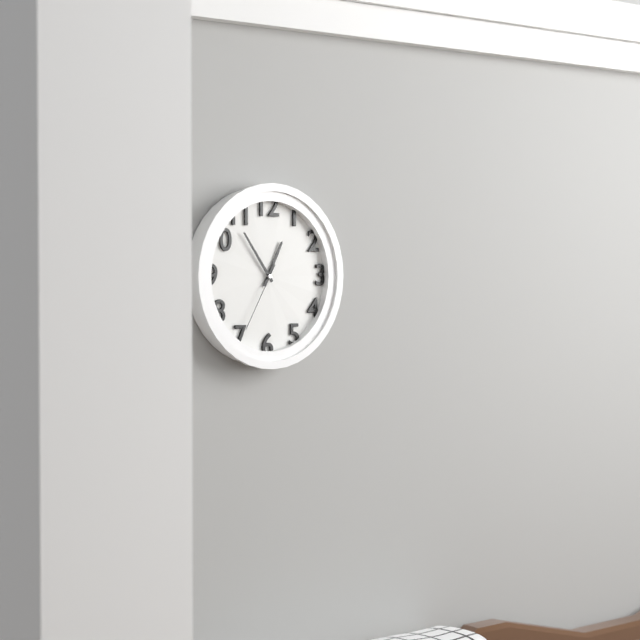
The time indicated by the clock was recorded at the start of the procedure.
12:54:35
